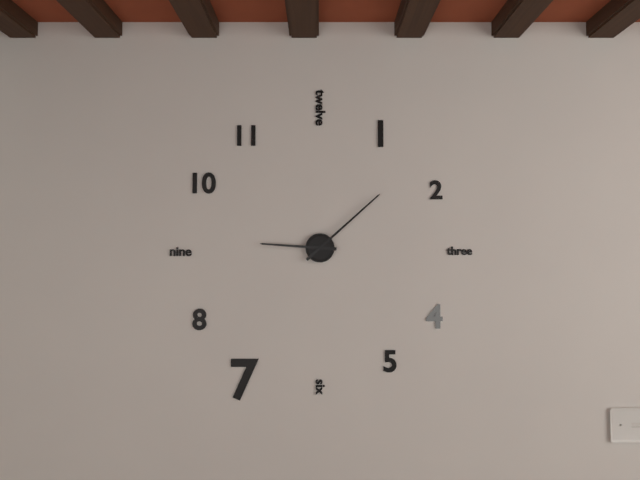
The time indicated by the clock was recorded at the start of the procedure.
9:08
